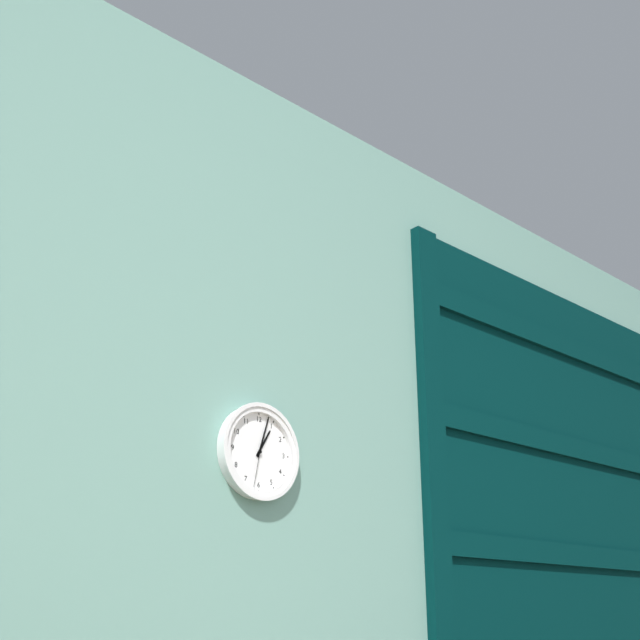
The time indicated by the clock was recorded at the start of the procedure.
1:03
